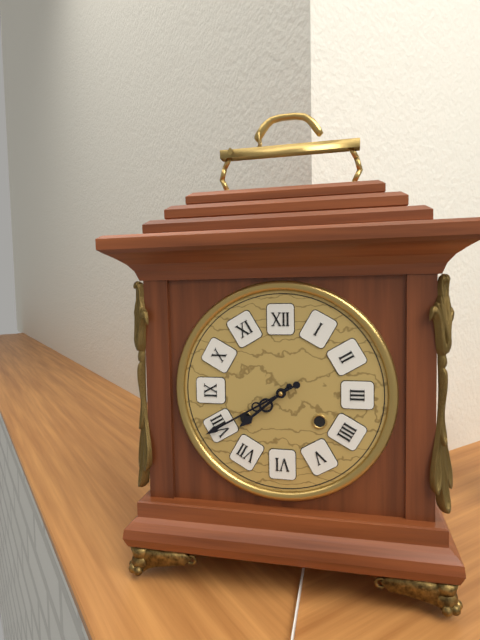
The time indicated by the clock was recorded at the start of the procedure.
7:40
